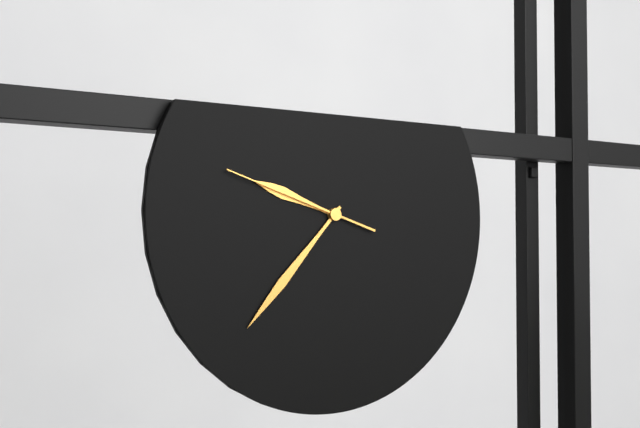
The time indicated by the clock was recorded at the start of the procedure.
9:37:48
